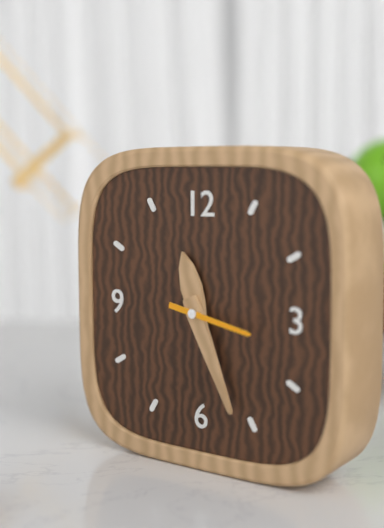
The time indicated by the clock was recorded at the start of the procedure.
11:26:17
